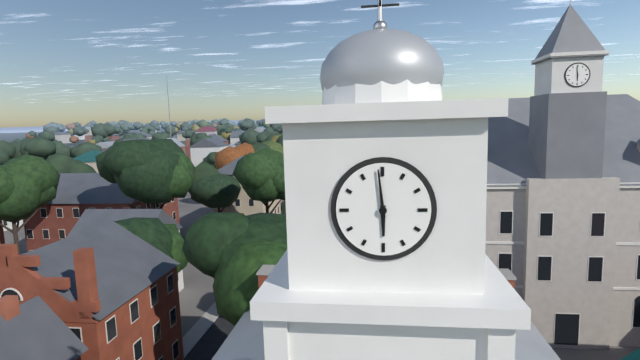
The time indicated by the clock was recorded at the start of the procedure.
5:59
